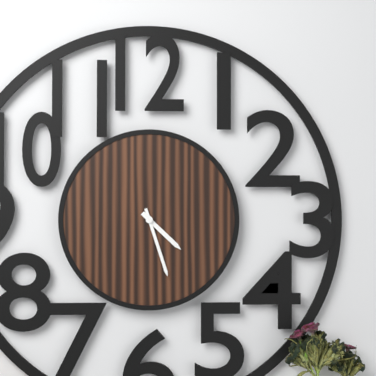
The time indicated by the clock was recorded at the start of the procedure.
4:27
